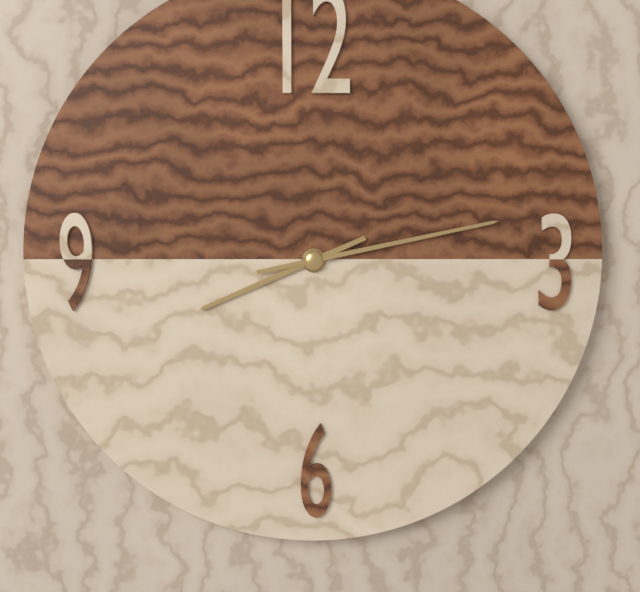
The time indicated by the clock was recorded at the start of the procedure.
8:13
